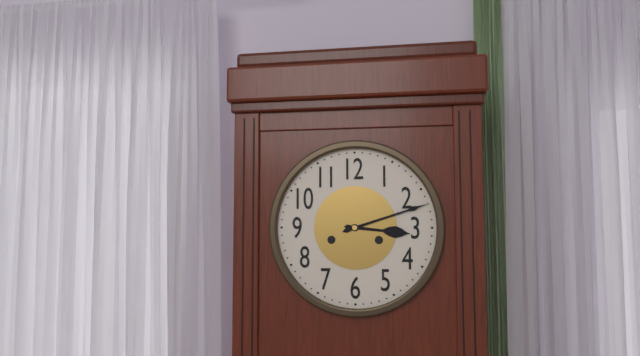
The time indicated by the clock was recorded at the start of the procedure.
3:12
